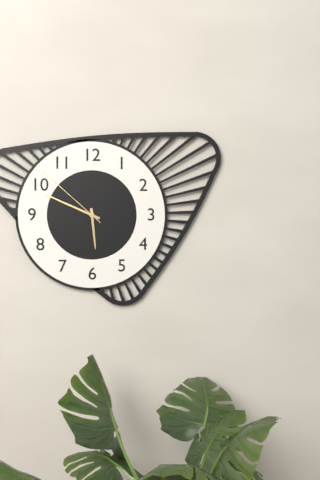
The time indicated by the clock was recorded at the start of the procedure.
5:49:52
